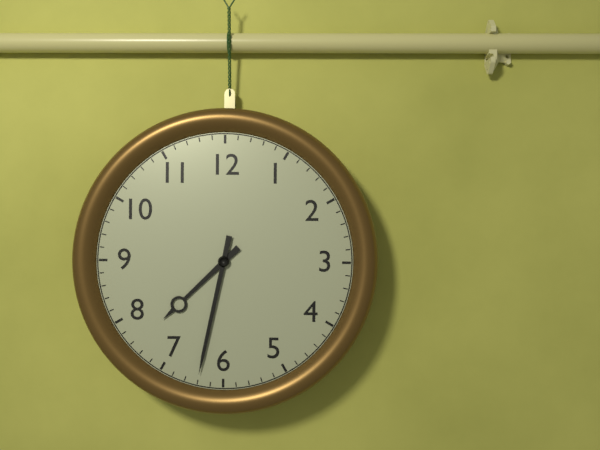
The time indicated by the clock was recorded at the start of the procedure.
7:32
